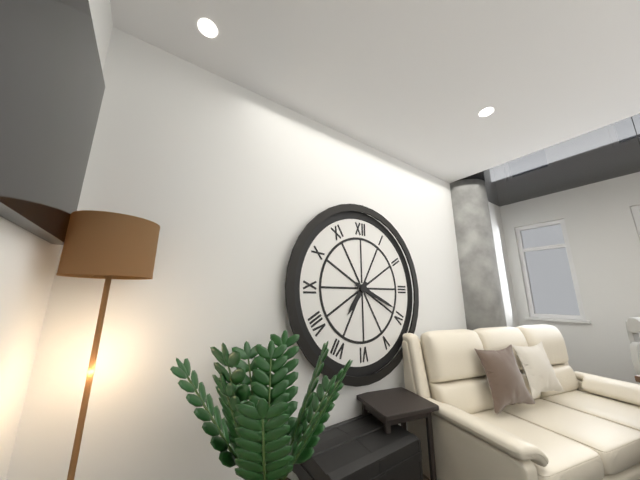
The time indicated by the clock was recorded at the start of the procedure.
7:19
